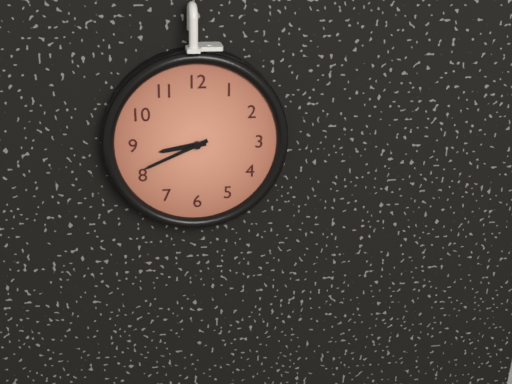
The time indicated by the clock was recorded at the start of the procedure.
8:41
